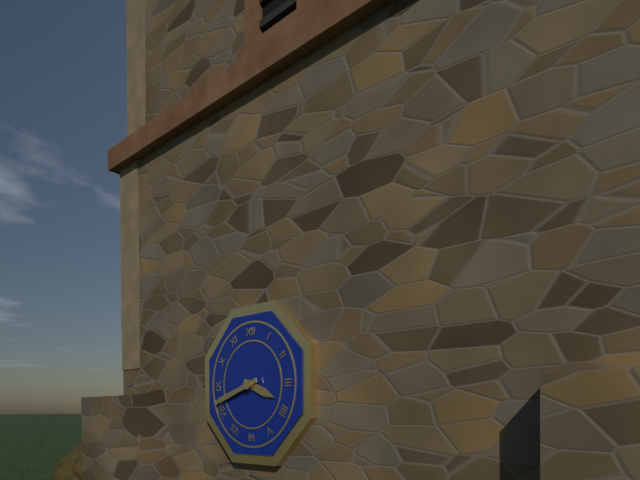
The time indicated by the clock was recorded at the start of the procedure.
3:42
